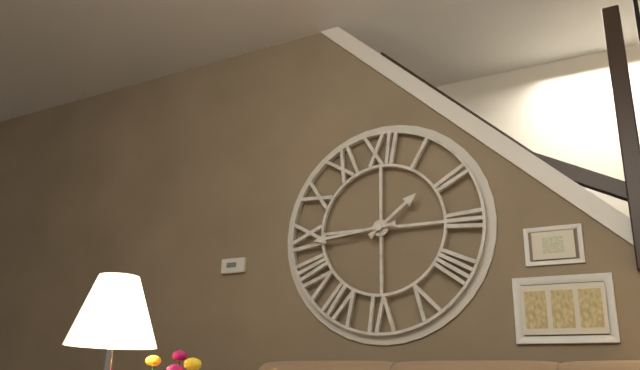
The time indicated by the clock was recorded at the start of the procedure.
1:44
